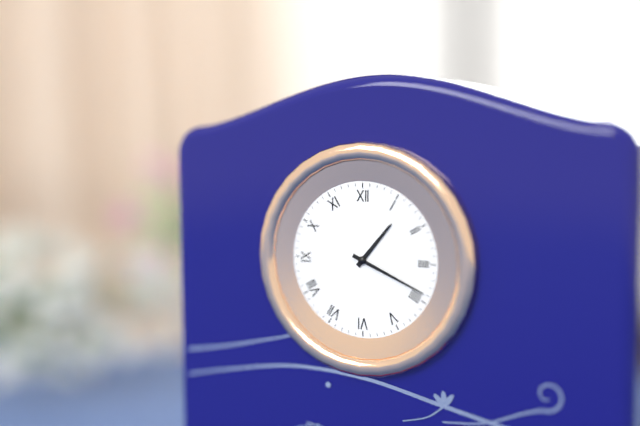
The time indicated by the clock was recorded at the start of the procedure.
1:19
